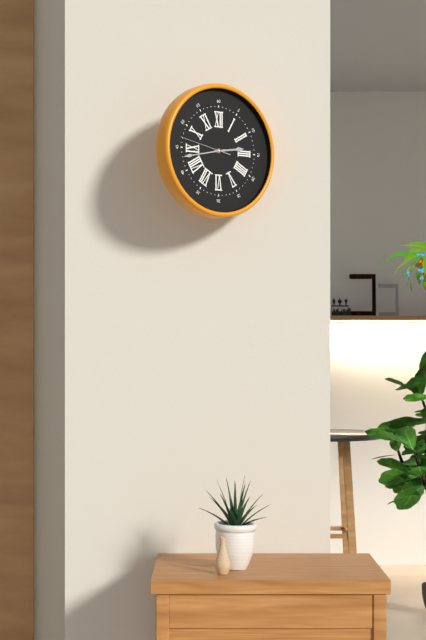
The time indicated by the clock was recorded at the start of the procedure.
2:43
